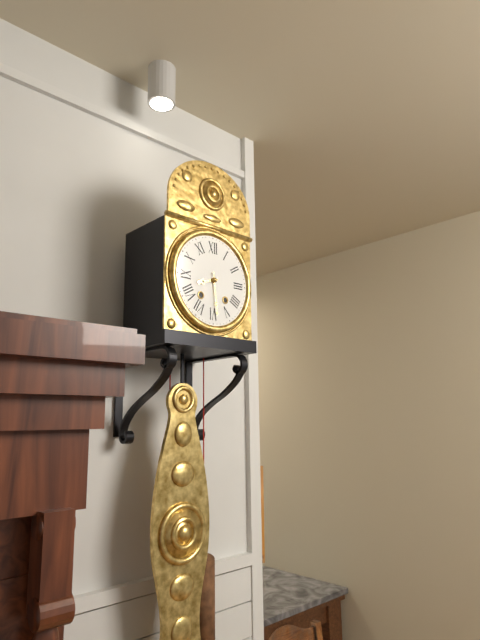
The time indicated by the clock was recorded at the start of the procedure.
8:29
